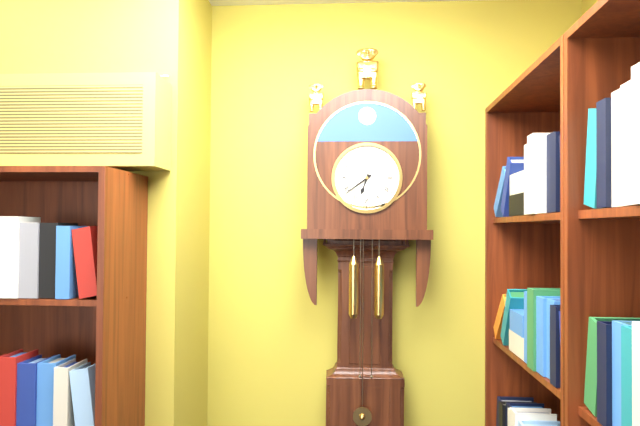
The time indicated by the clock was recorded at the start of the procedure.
6:39
